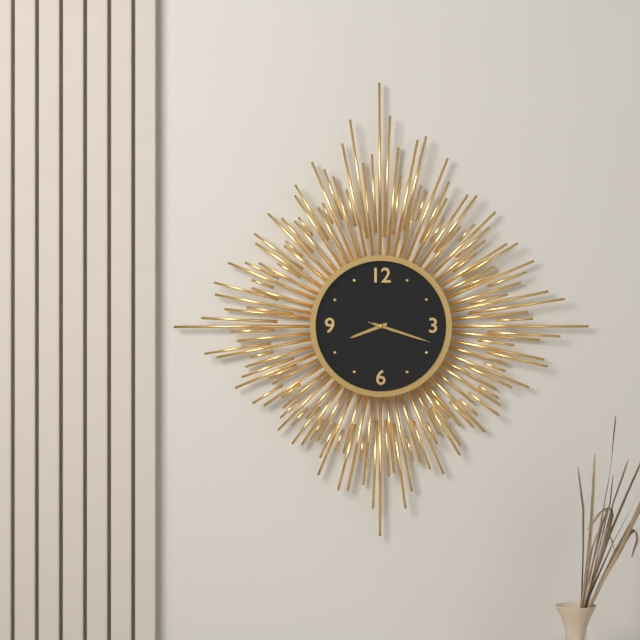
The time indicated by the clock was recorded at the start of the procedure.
8:18:18
